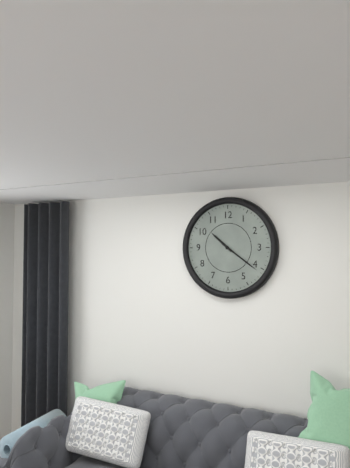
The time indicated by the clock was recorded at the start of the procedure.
10:21
